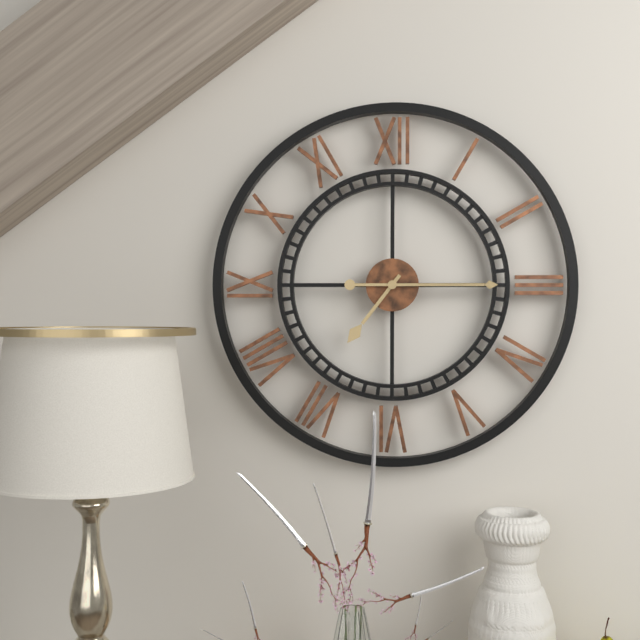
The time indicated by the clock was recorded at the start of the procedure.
7:15
